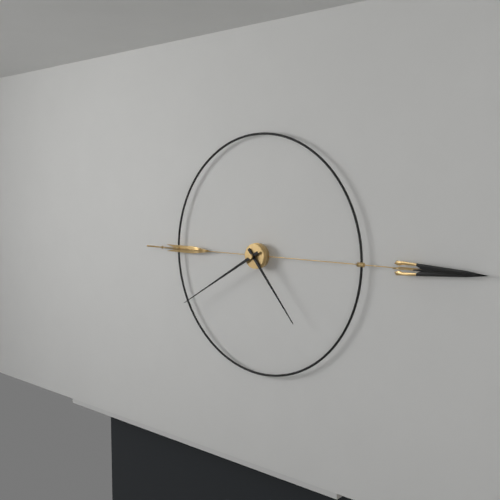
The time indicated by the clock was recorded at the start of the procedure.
4:40
